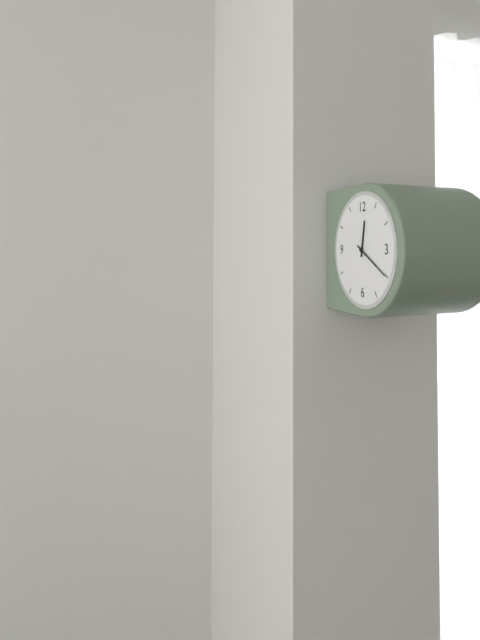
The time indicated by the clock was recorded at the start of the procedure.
12:20
